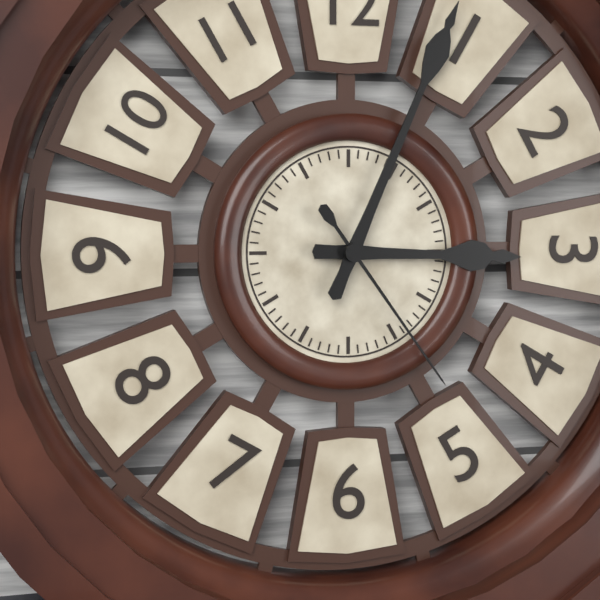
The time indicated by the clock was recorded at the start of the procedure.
3:04:24
